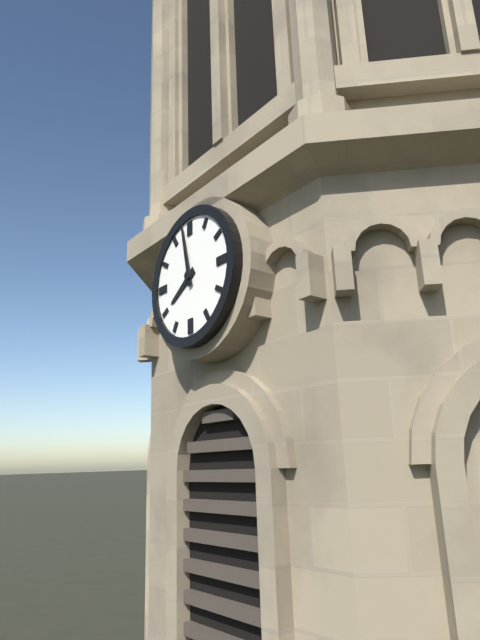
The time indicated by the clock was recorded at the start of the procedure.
7:58
